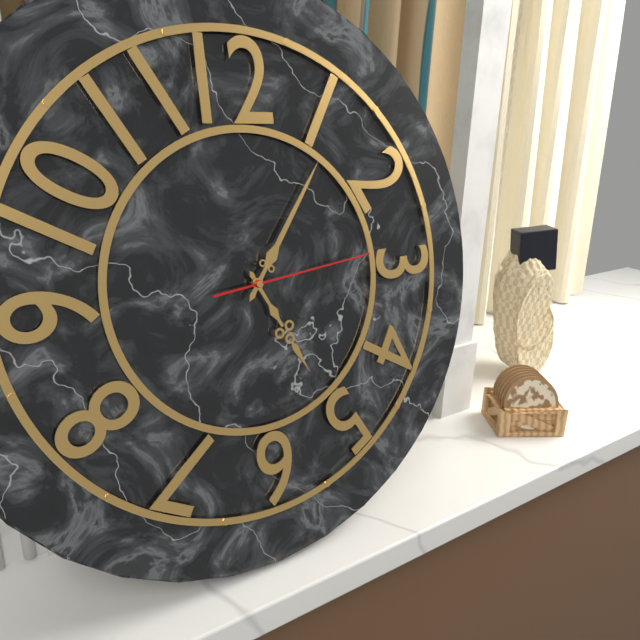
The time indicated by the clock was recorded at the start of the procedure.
5:06:14
